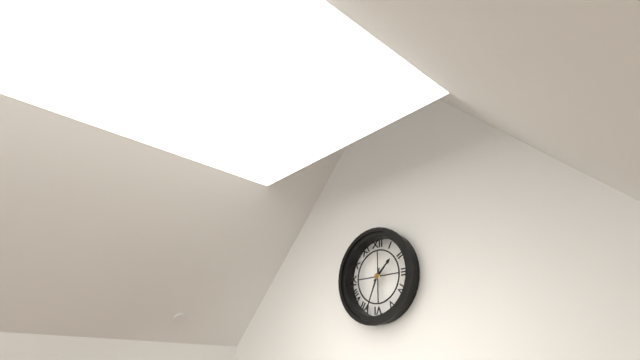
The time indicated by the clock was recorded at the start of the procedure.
1:34
